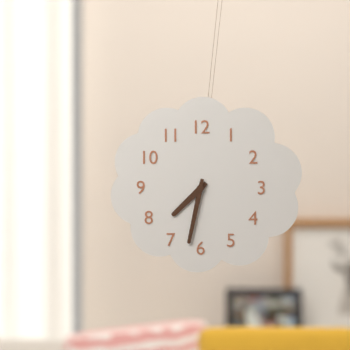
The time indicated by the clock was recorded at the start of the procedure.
7:32
